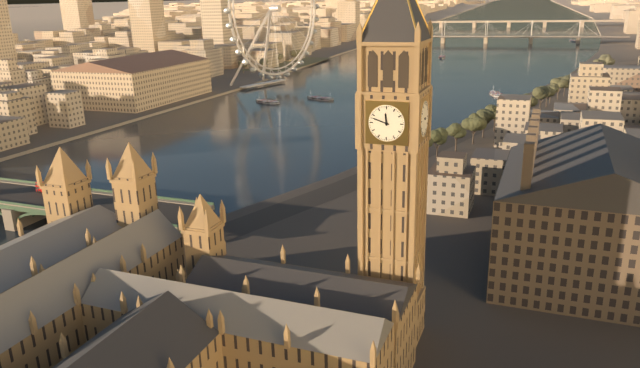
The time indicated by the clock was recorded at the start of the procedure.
11:48
